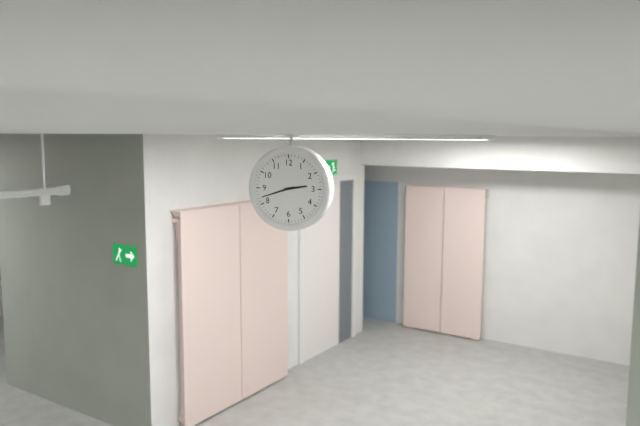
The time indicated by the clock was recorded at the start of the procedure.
2:42
